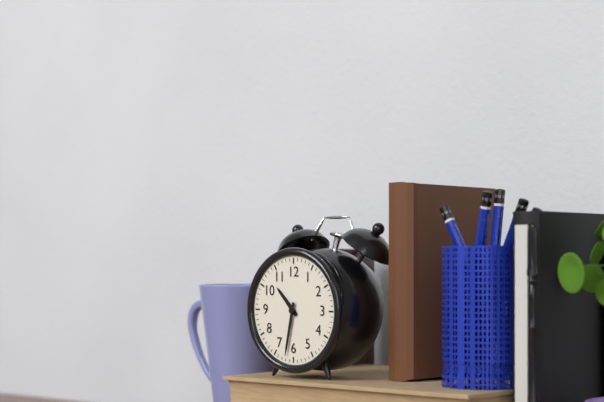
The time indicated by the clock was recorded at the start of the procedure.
10:32
